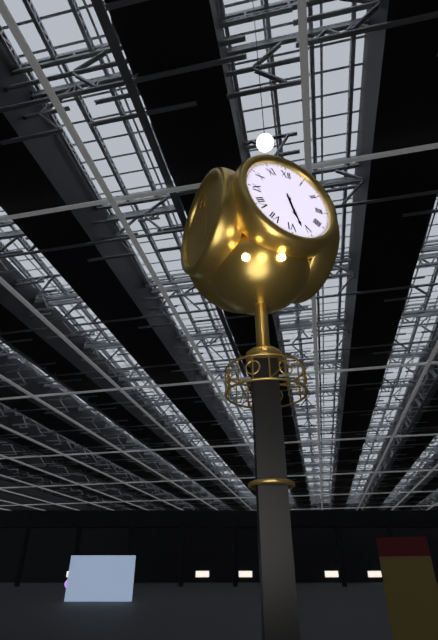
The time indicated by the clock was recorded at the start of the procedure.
5:27
